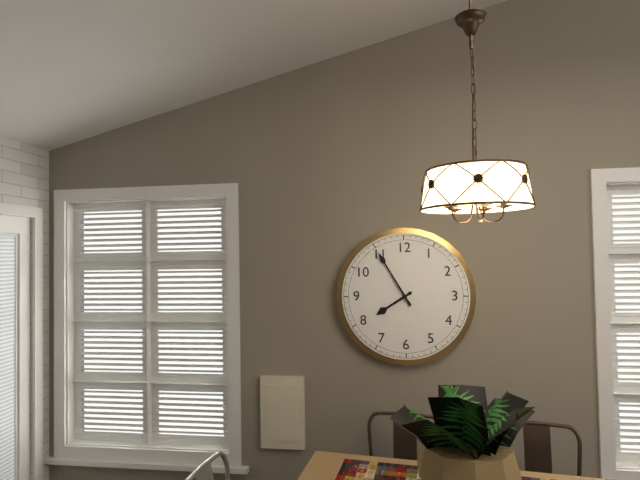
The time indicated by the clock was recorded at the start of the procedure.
7:55
